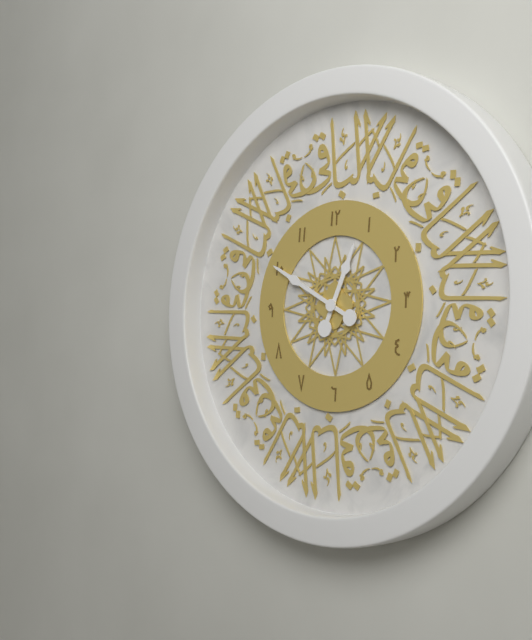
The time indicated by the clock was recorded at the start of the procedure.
12:50
